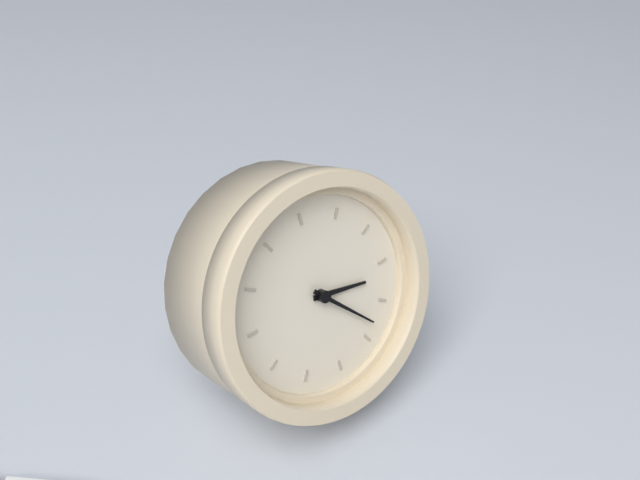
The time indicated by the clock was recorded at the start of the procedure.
3:23
